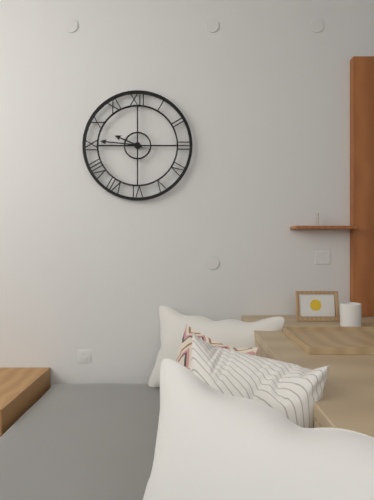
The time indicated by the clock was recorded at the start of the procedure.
9:46
